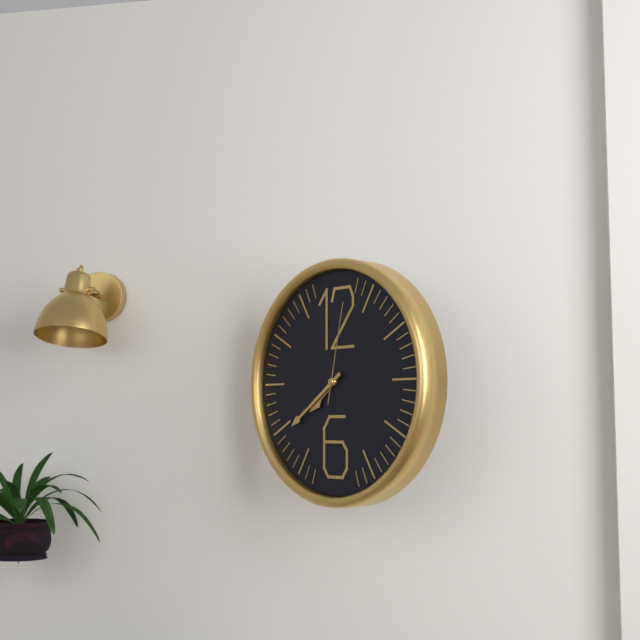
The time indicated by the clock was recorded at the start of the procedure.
7:39:02
